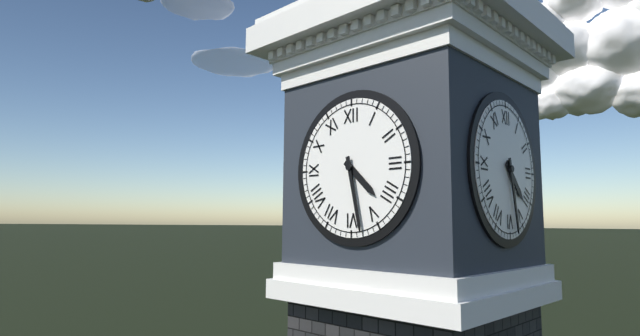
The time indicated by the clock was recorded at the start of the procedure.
4:28
